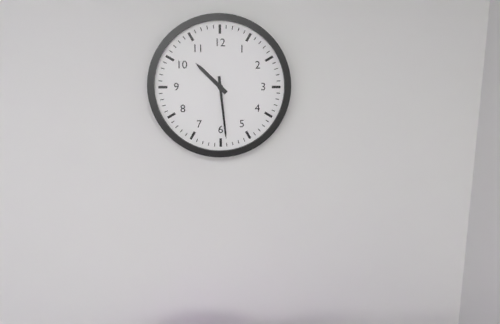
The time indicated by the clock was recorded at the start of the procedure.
10:29
